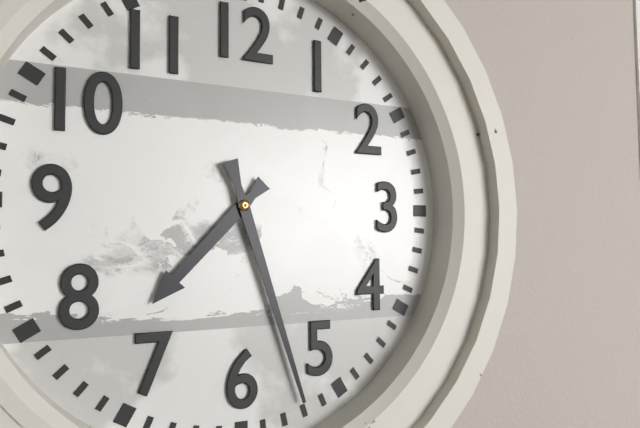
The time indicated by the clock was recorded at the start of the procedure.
7:27
